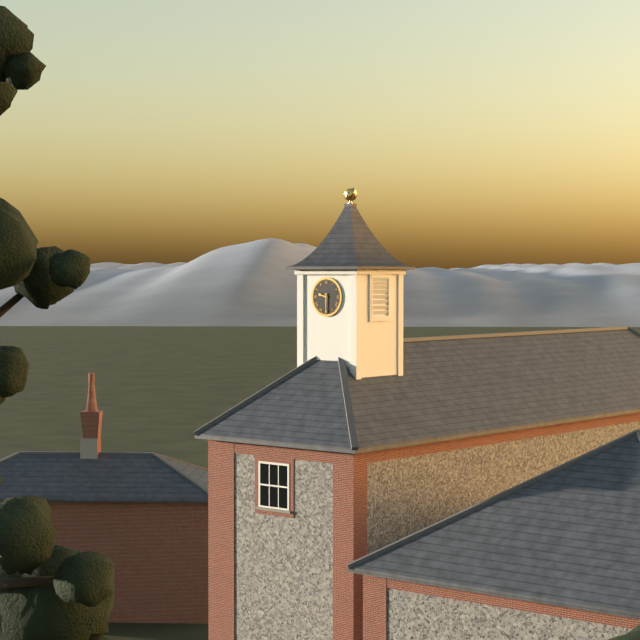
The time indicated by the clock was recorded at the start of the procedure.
9:30
